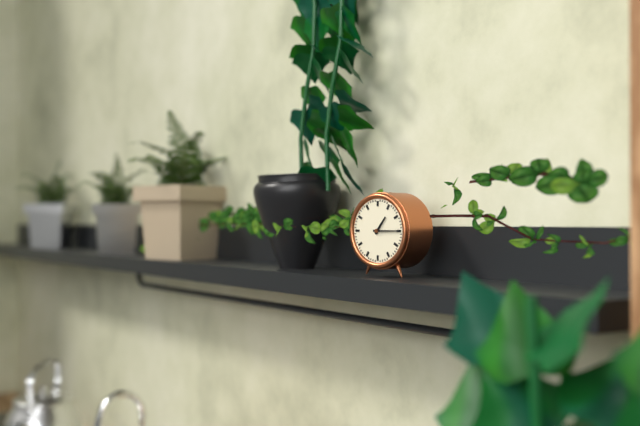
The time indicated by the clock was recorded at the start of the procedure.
1:15
